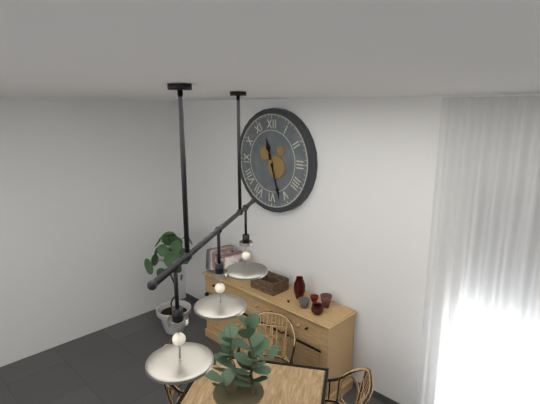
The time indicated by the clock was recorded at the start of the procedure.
11:27
